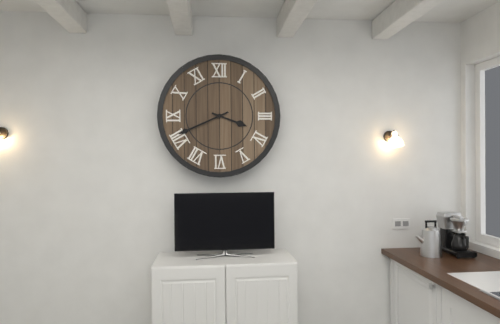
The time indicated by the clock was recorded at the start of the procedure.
3:41
